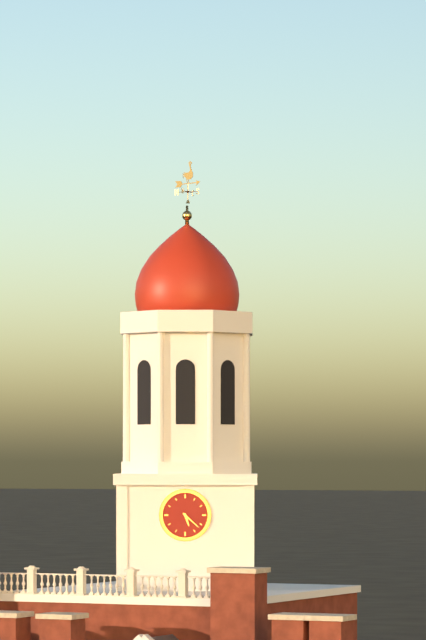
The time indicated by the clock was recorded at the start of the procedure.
5:22
